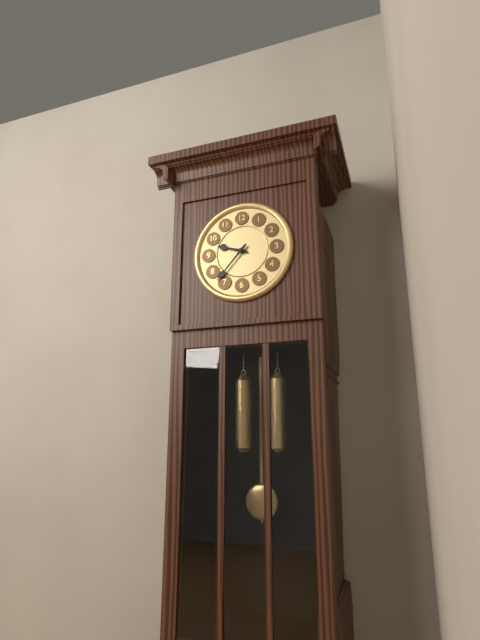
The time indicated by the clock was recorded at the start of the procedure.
9:37
